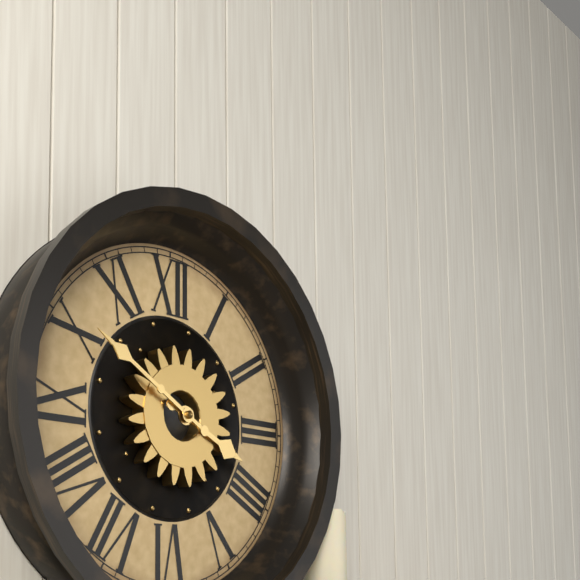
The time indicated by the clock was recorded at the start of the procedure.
3:50
